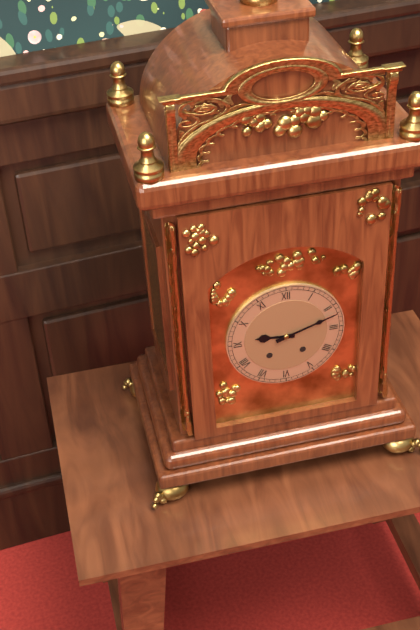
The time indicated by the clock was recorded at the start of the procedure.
9:12
